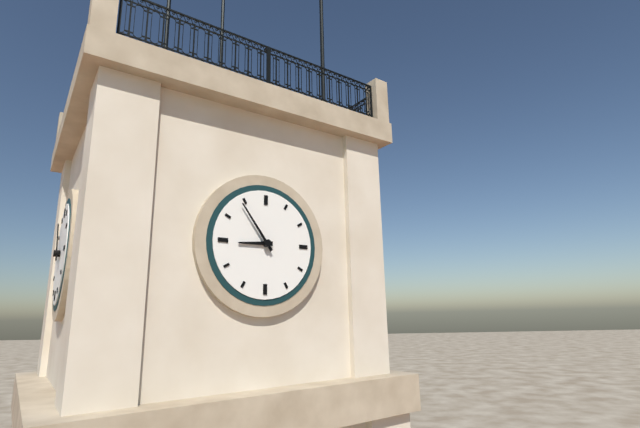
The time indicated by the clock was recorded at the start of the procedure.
8:54
